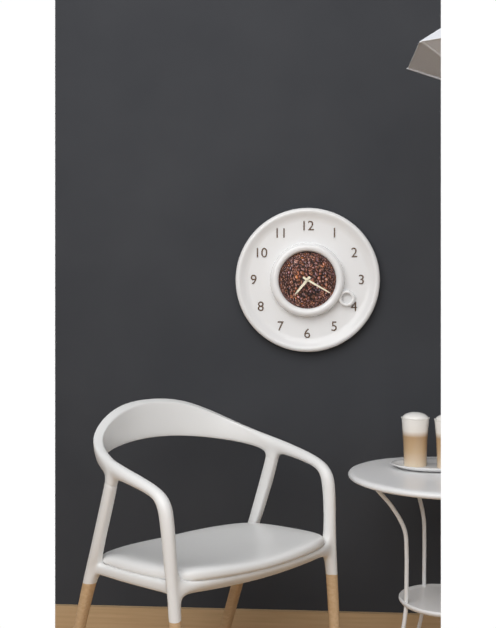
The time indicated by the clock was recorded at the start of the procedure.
7:20
